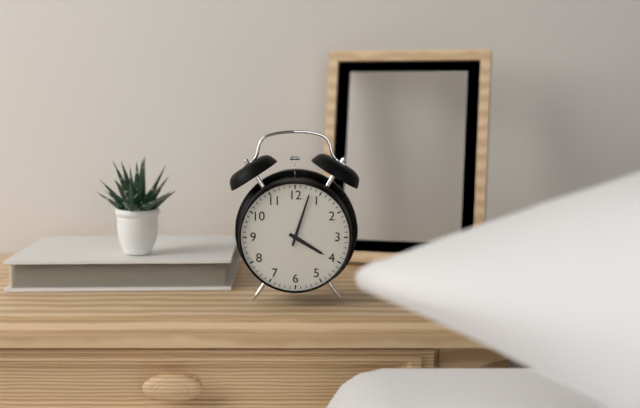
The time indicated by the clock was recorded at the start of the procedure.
4:03
